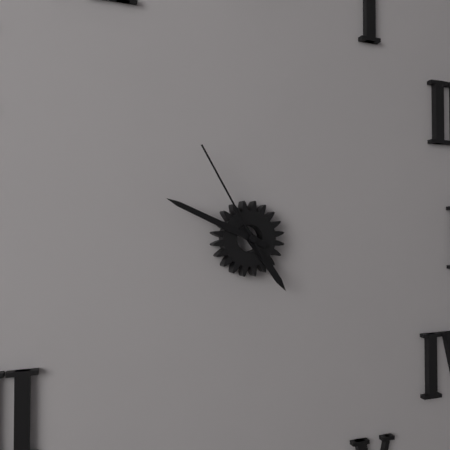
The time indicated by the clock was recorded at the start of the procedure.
4:49:55
